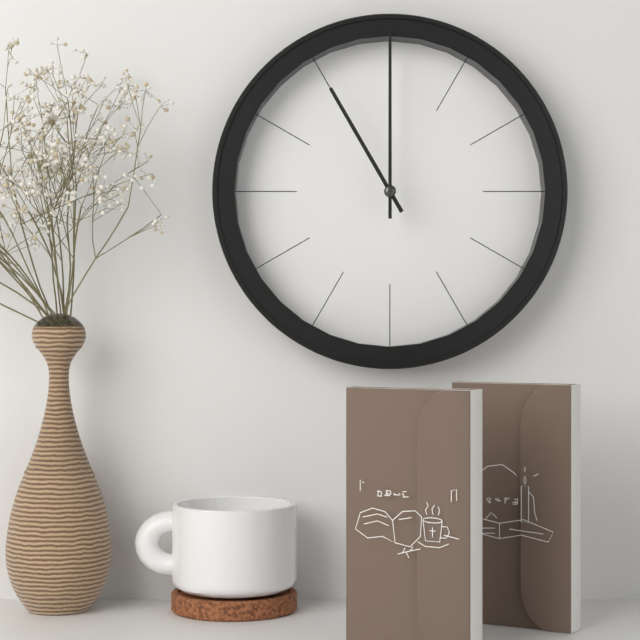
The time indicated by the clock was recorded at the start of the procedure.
11:00
